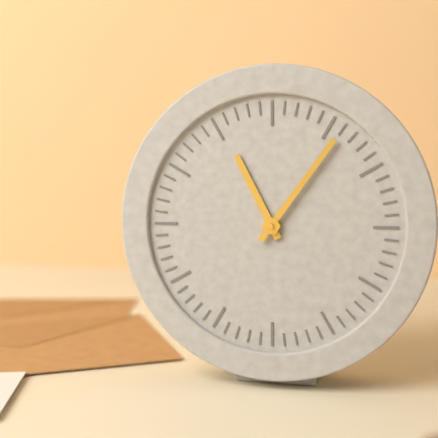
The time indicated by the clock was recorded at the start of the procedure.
11:06
